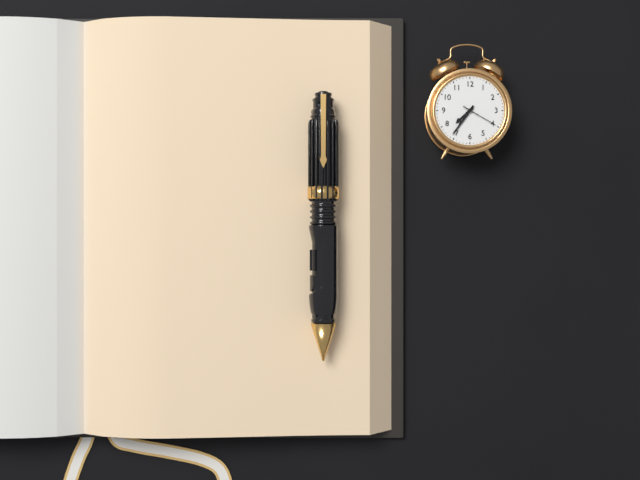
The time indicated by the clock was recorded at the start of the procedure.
7:36
